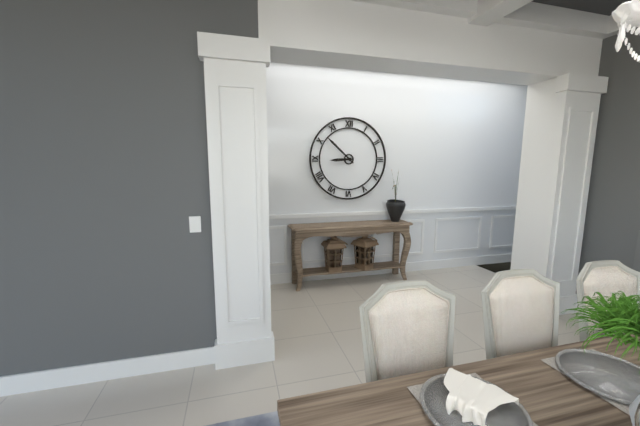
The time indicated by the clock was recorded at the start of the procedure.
8:52
